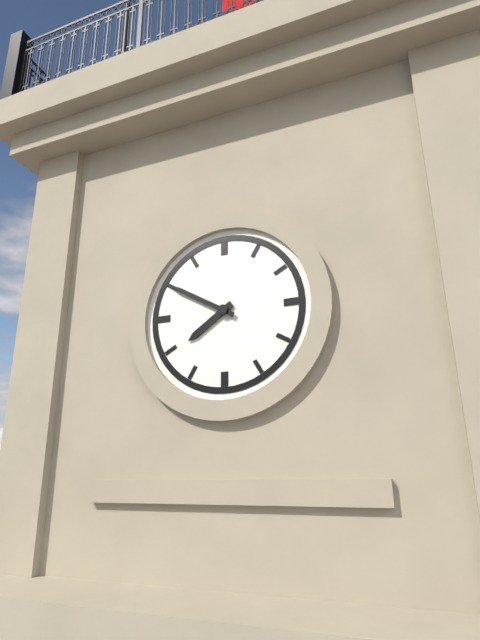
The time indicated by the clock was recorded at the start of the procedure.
7:50
